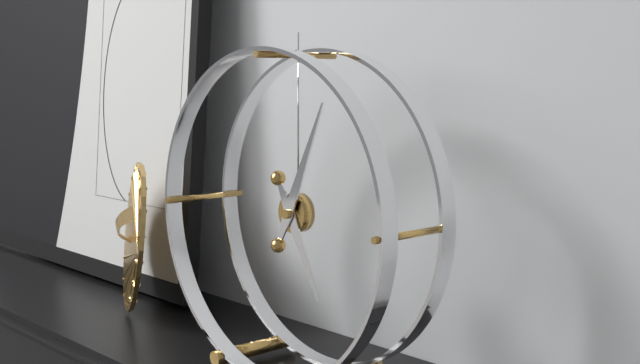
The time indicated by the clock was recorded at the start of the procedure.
5:04
